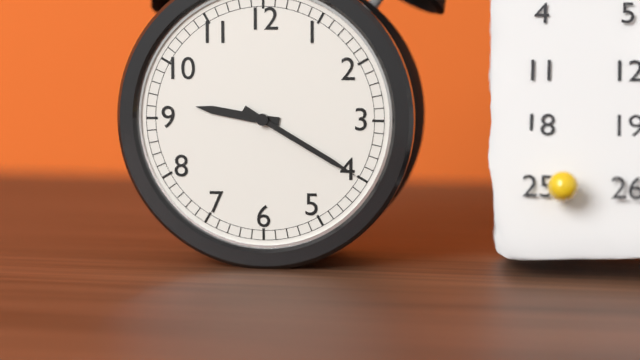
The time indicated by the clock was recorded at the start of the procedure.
9:20
